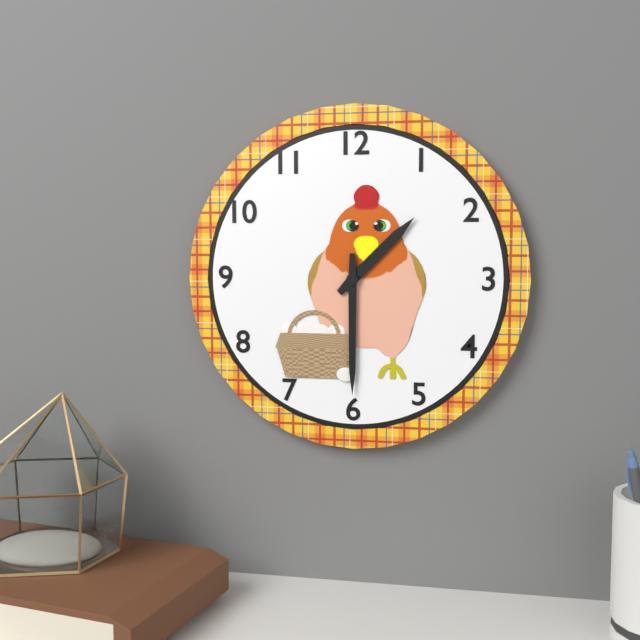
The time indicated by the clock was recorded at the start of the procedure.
1:30
